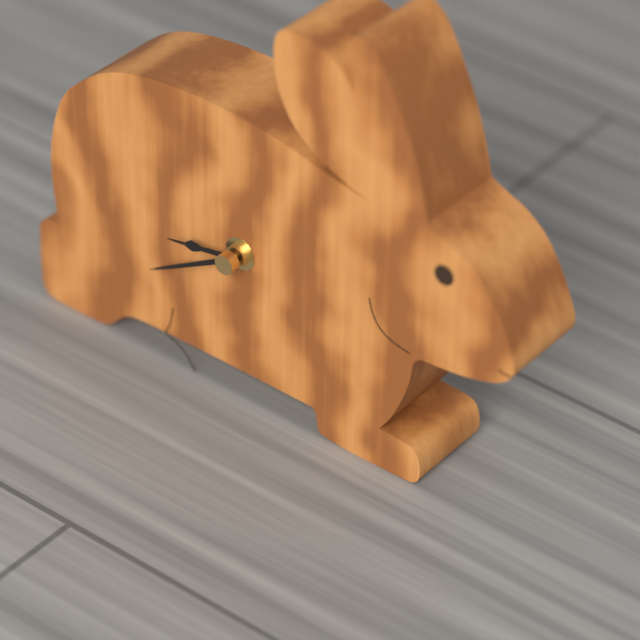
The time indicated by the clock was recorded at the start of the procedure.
8:40
